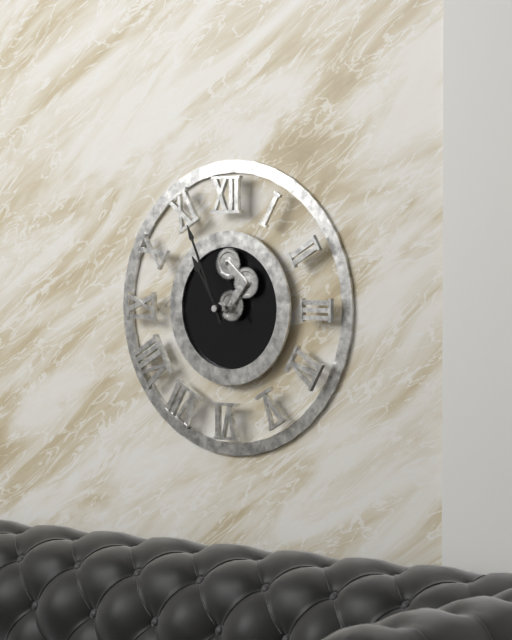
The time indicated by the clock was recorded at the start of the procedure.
10:56
